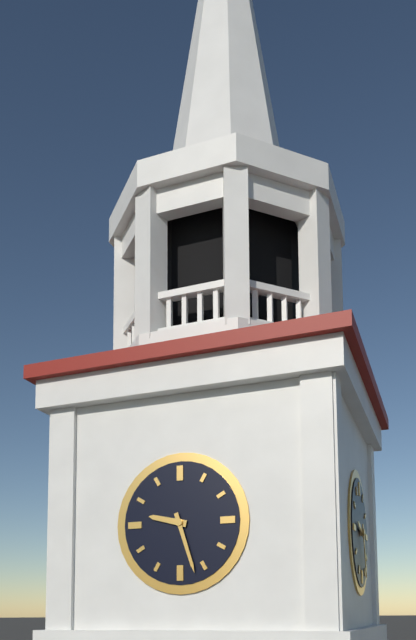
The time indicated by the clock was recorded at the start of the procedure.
9:27
